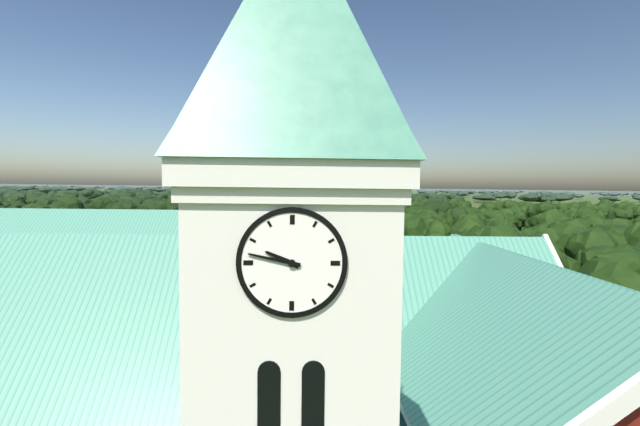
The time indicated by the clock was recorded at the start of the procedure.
9:47
